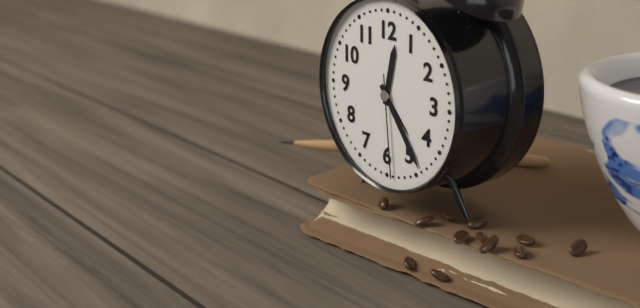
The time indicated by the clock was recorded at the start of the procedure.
12:24:29
